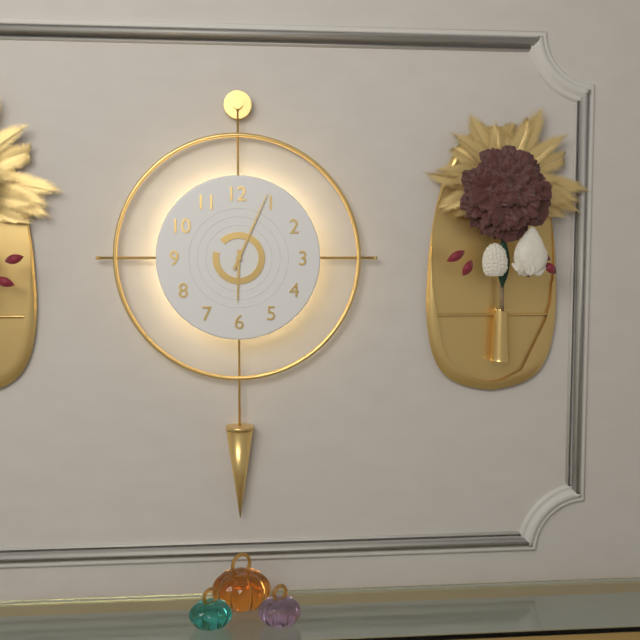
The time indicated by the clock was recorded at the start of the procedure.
6:04
